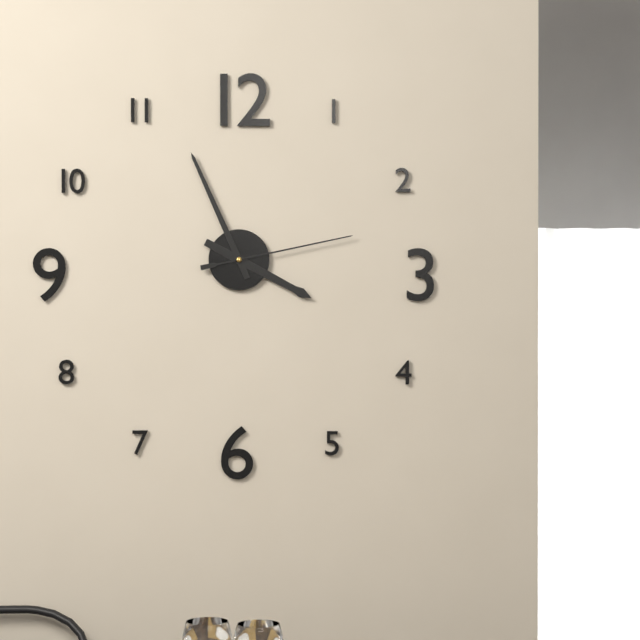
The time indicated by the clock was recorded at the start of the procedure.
3:56:13
